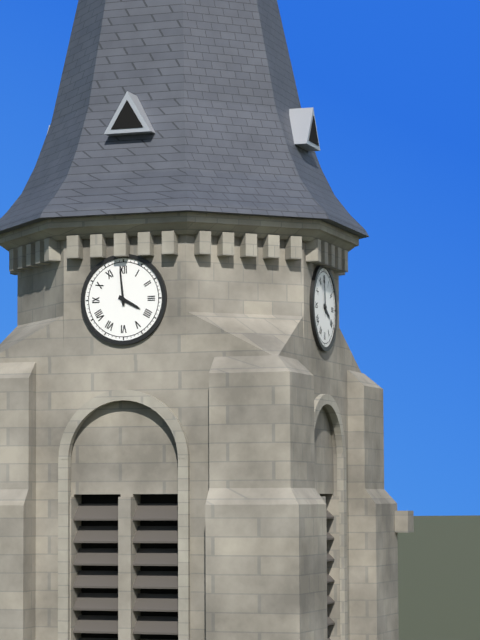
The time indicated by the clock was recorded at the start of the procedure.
3:59
